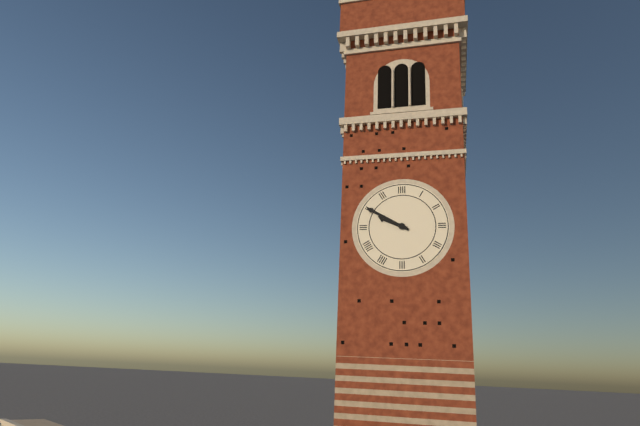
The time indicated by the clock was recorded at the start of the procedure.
9:50
